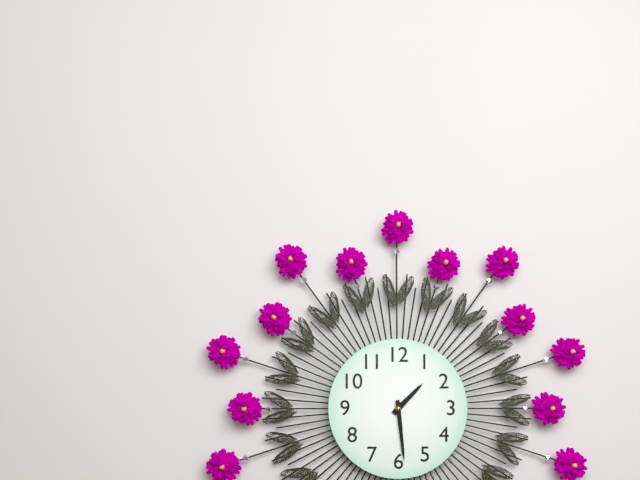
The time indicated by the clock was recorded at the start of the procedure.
1:29
